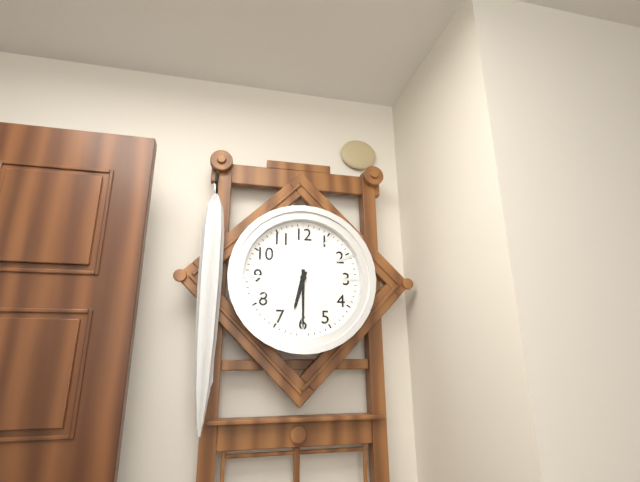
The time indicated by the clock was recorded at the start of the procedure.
6:30
